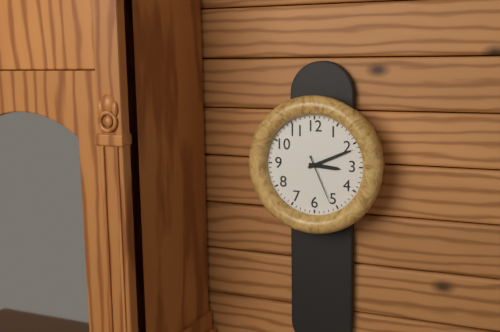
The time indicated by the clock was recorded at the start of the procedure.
3:11:26
